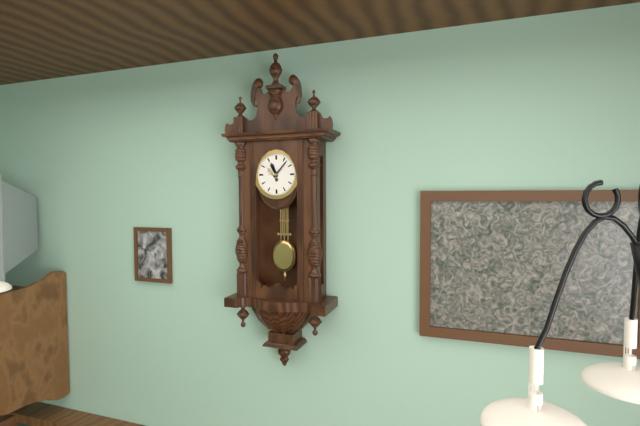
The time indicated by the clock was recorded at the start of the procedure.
11:07
